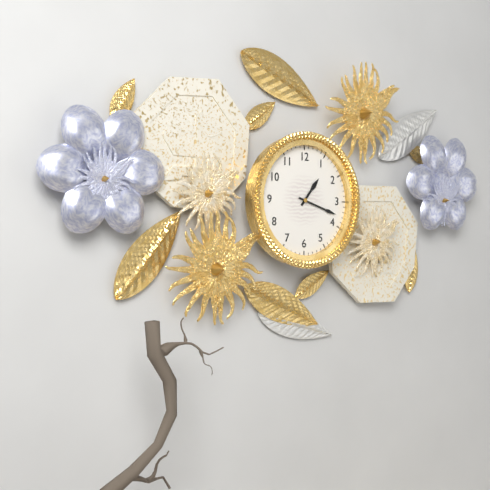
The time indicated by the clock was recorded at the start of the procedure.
1:18
